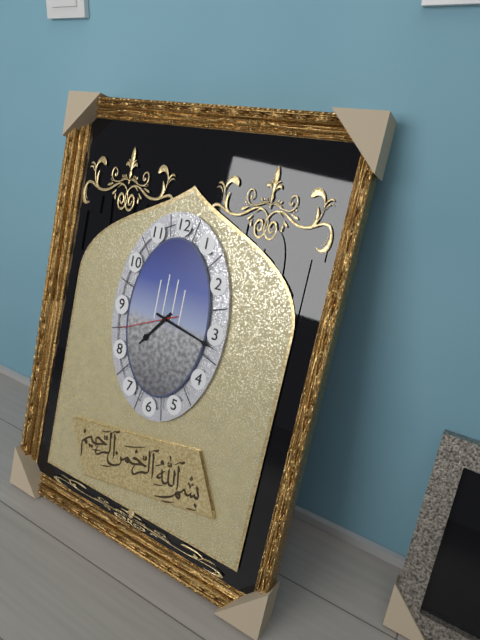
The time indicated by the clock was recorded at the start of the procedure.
7:17:41
